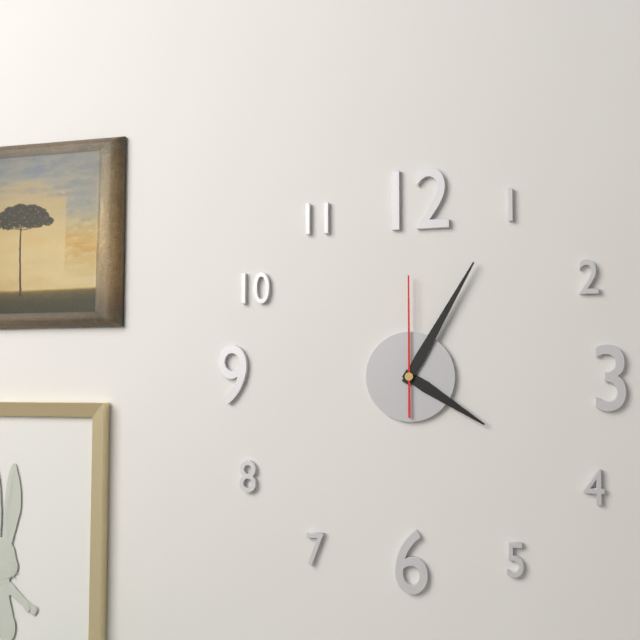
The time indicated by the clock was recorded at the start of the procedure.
4:05:00
